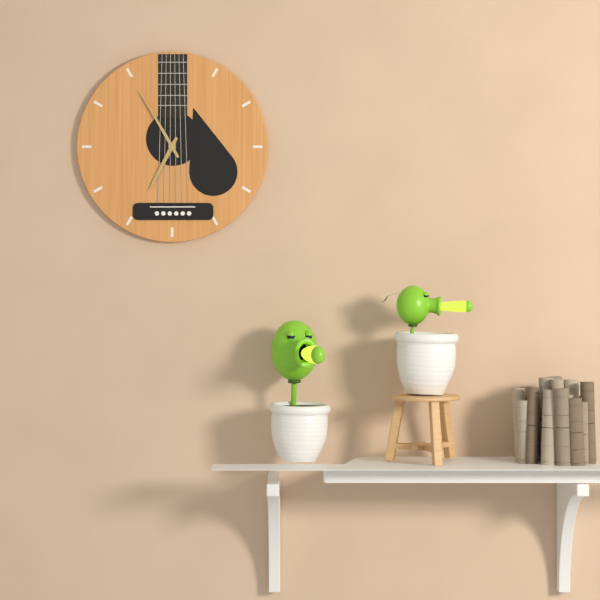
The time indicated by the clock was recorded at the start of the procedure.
6:55
